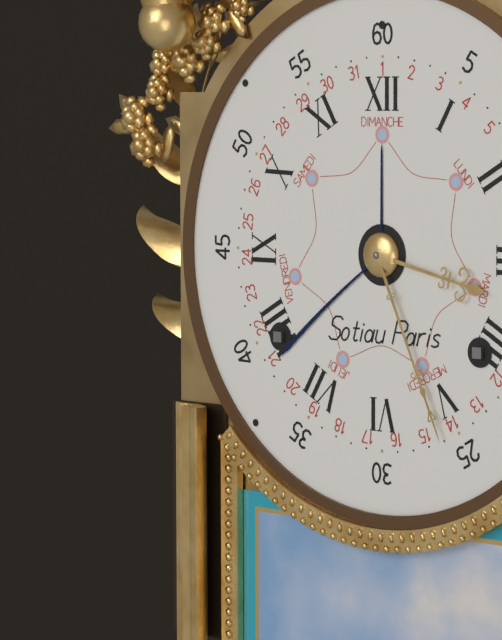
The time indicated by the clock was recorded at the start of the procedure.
3:26
